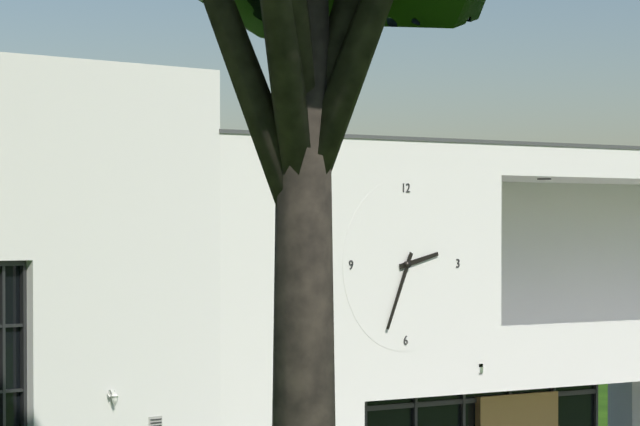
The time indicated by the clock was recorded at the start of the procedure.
2:34
